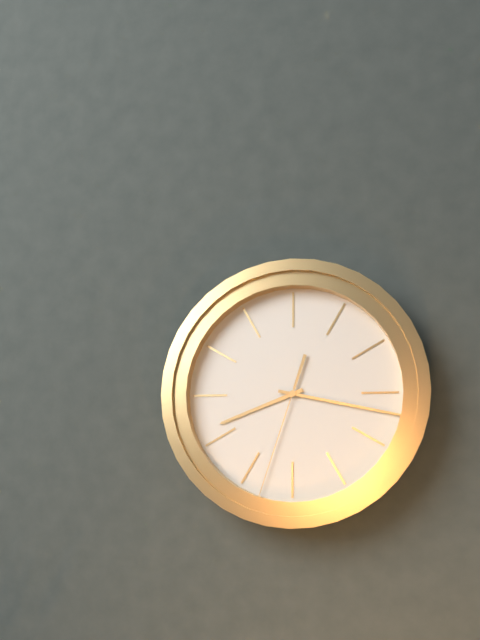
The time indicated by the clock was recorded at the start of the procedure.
8:17:33
